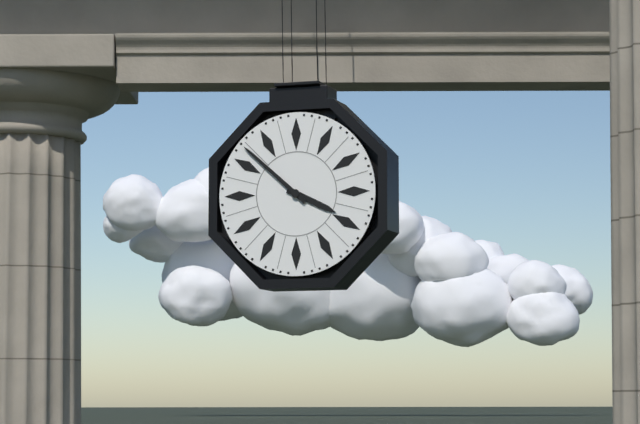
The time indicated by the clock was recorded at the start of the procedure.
3:52
